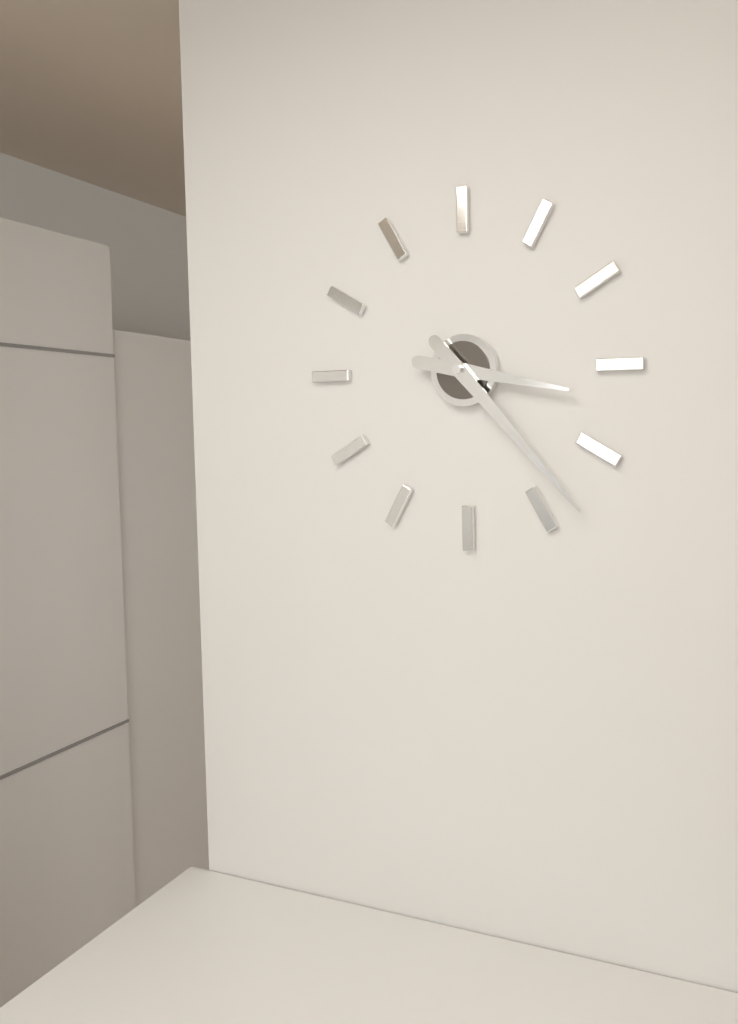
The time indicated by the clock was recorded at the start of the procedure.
3:23
